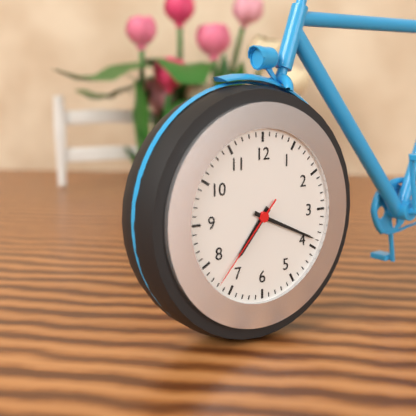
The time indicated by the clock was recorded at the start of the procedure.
7:19:37
